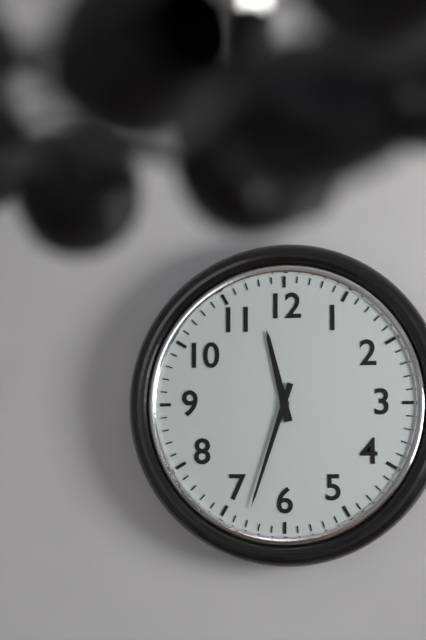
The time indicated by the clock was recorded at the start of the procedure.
11:33
